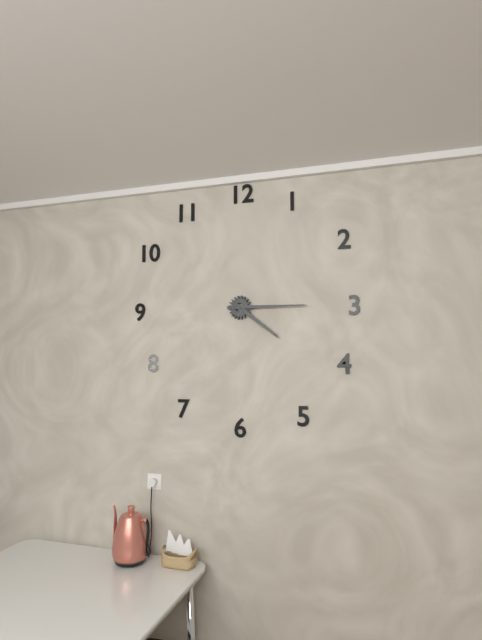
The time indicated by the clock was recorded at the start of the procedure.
4:15
